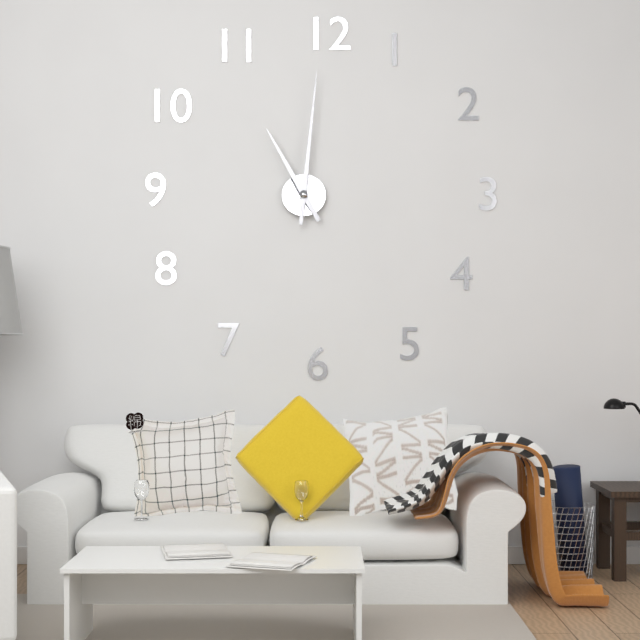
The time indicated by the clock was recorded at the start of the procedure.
11:01
